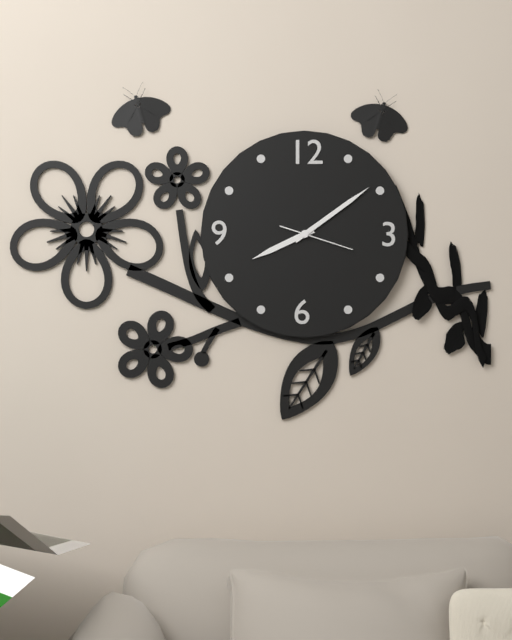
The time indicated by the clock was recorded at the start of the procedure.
8:09:18
